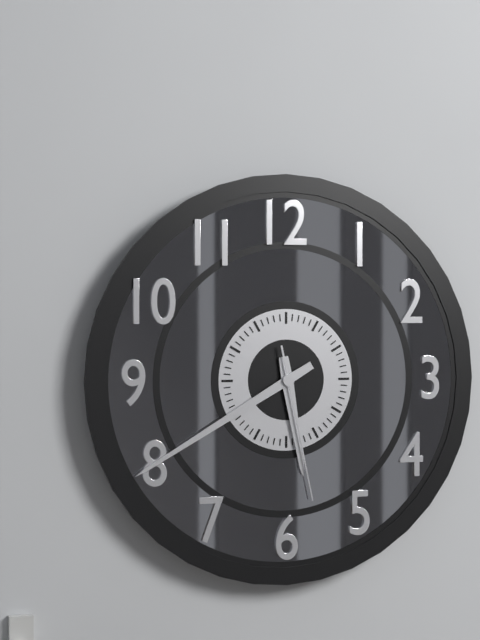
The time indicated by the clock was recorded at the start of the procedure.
5:40:28
